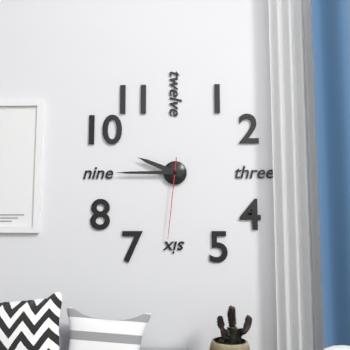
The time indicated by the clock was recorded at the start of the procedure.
9:45:31
